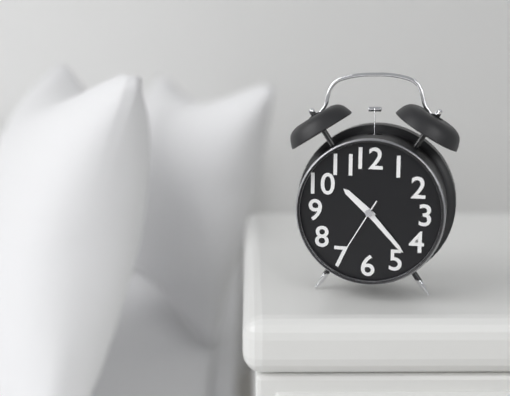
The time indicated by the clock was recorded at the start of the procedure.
10:23:35
